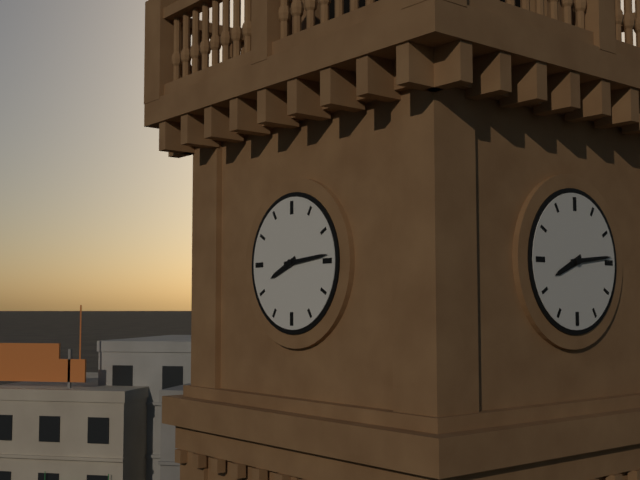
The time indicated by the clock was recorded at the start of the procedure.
8:14
